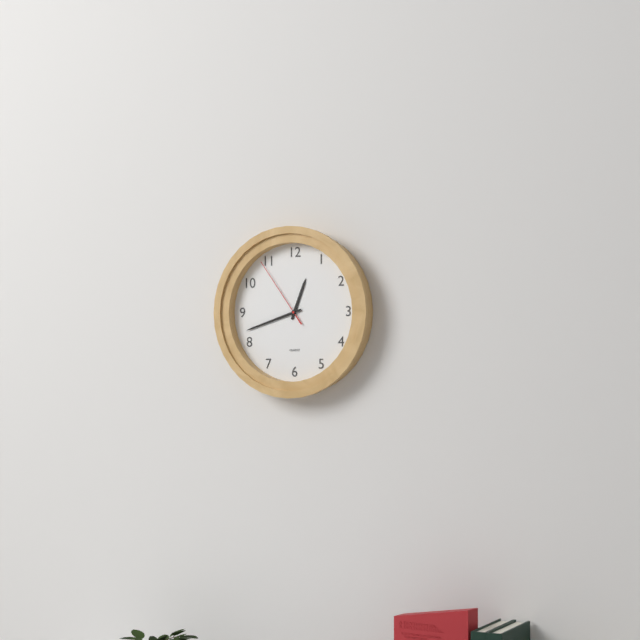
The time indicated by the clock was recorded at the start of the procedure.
12:42:54
